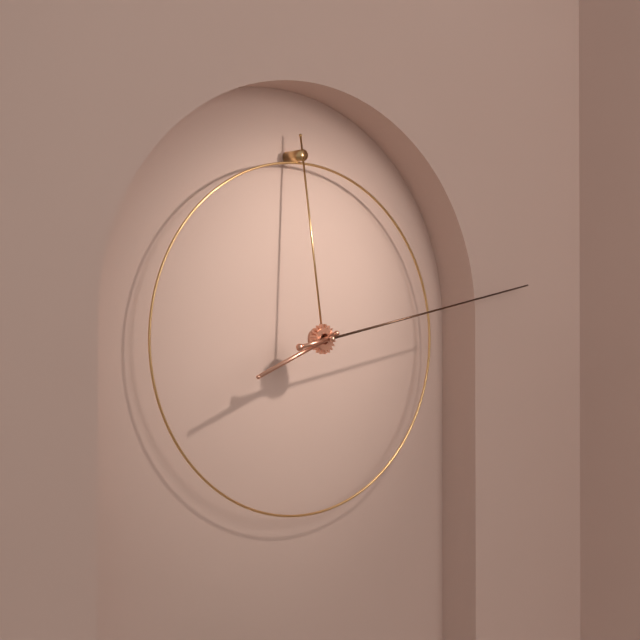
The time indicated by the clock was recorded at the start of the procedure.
8:13
